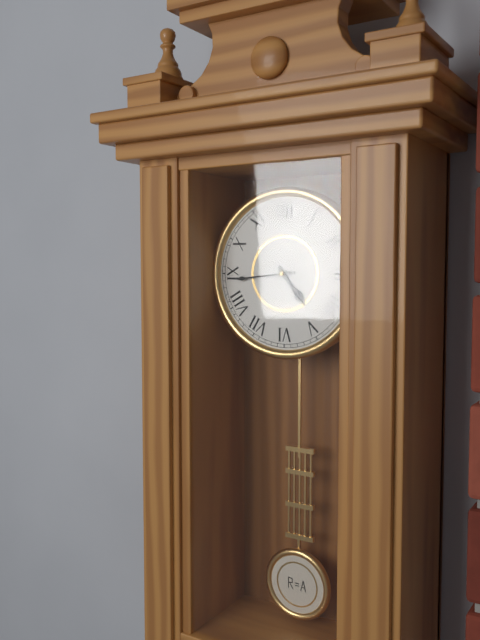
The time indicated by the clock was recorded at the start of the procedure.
4:44
